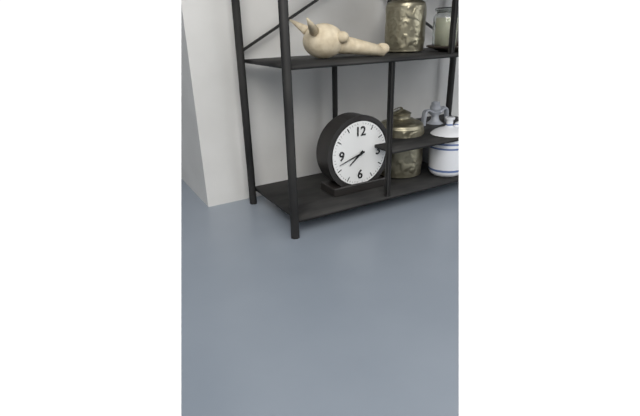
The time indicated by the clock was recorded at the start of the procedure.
7:42
